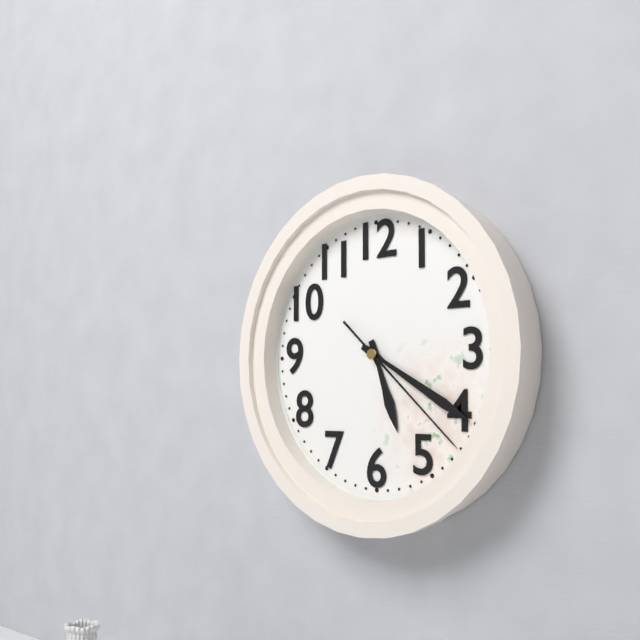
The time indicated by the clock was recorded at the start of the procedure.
5:20:22
